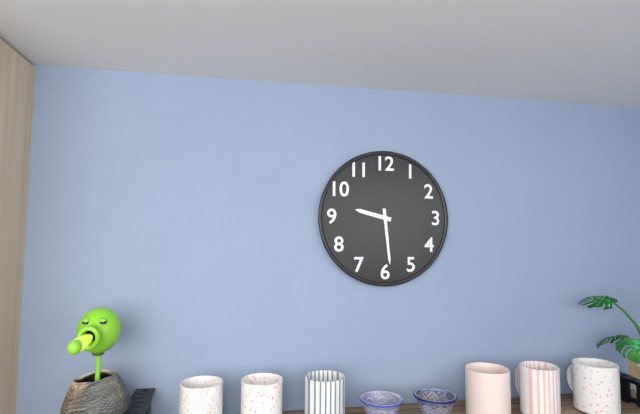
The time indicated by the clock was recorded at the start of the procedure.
9:29
